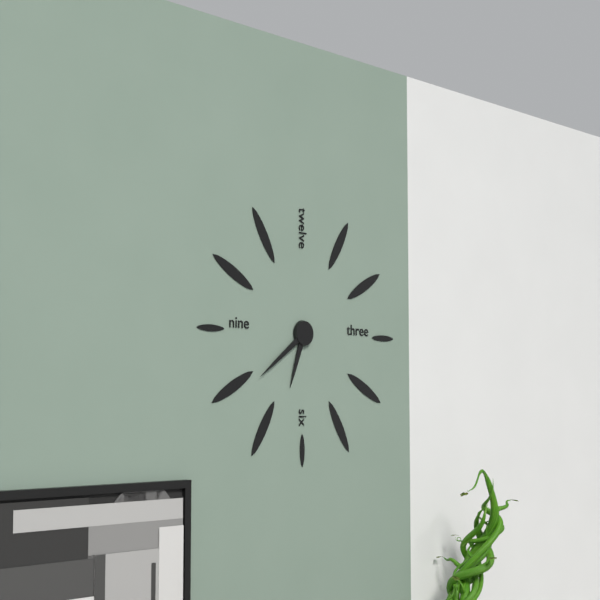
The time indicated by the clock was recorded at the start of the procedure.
6:39
